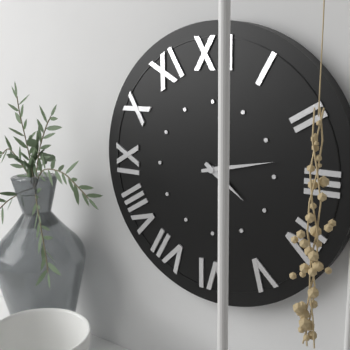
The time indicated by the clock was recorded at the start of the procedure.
4:13
